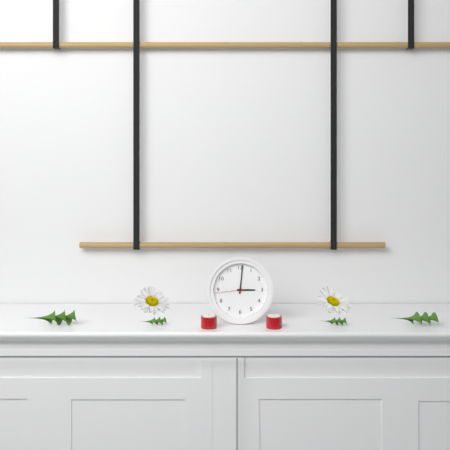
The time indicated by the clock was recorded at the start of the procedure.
3:01
